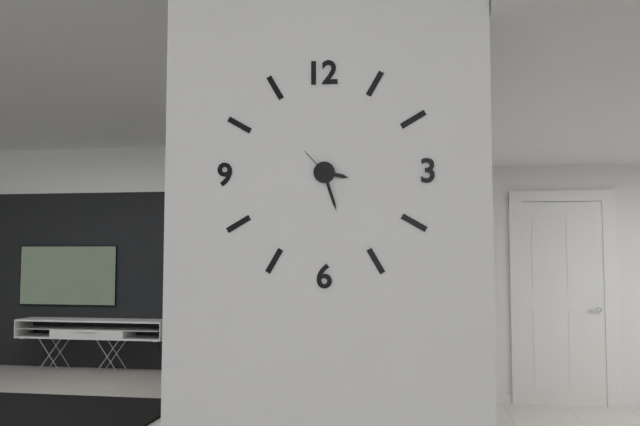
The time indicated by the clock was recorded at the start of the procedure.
3:27
